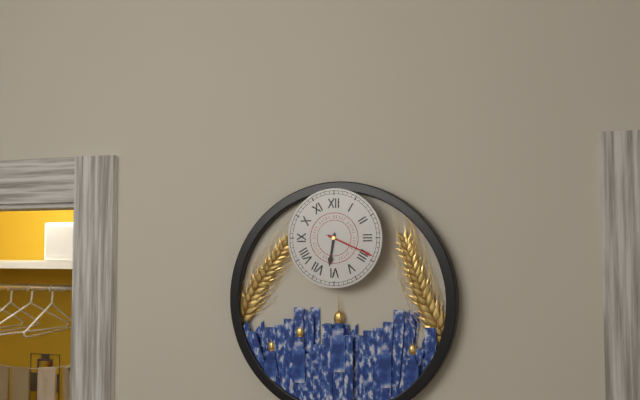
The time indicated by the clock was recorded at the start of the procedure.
6:19
